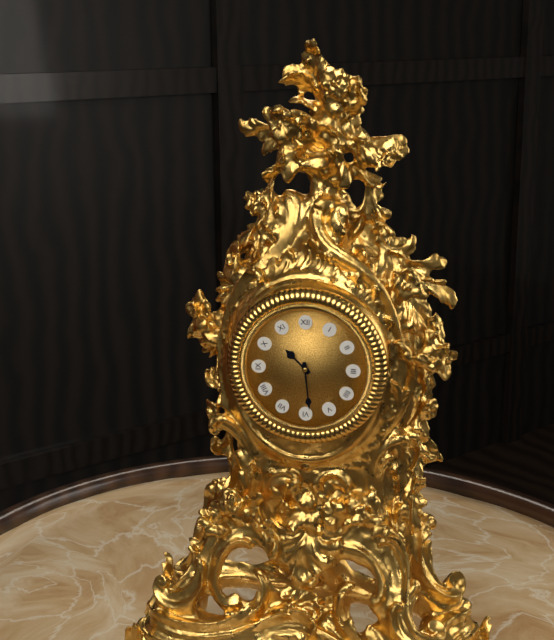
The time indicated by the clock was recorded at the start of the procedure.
10:29
